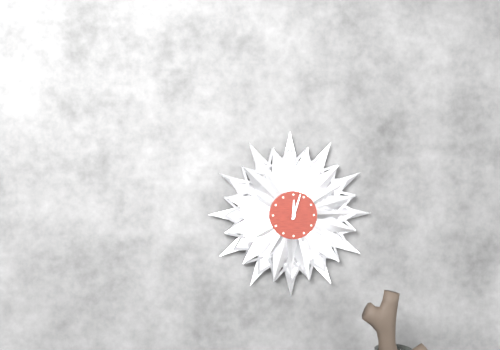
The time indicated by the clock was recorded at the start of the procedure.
12:03
